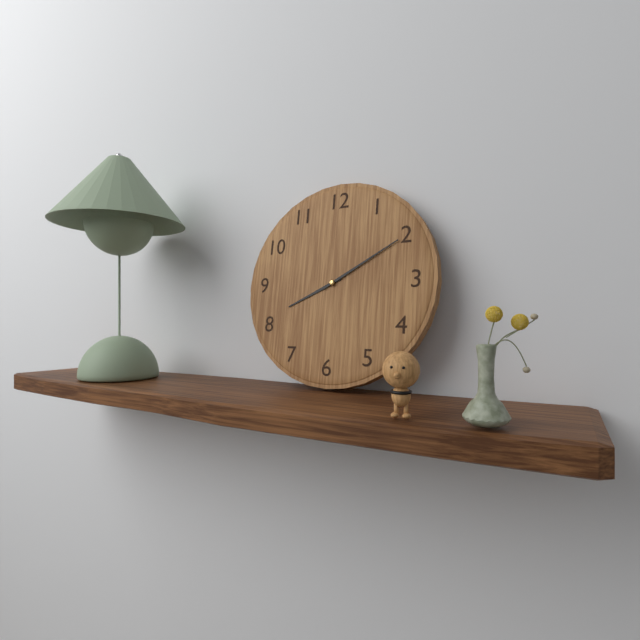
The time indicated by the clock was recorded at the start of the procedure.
8:10
